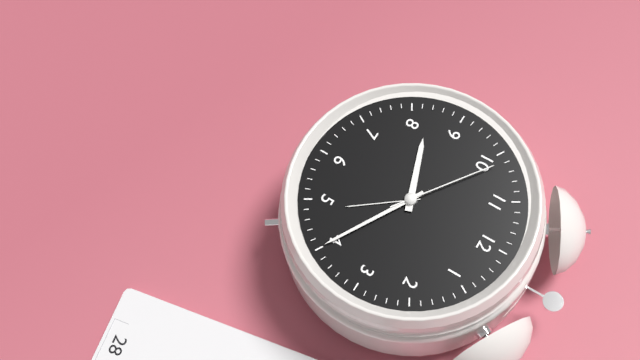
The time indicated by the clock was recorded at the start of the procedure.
8:20:51
